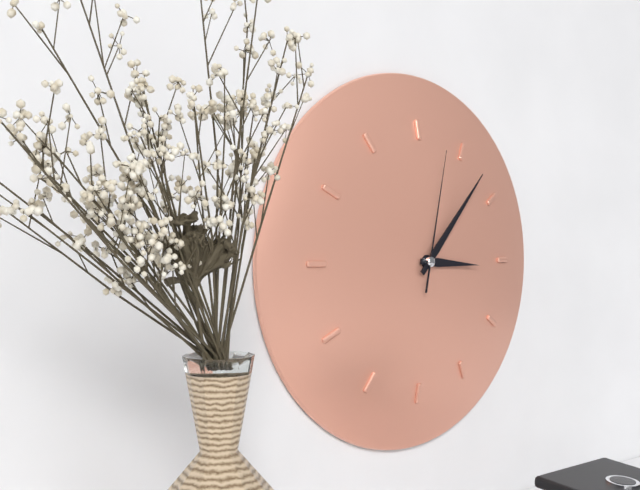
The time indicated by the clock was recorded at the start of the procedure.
3:07:02
